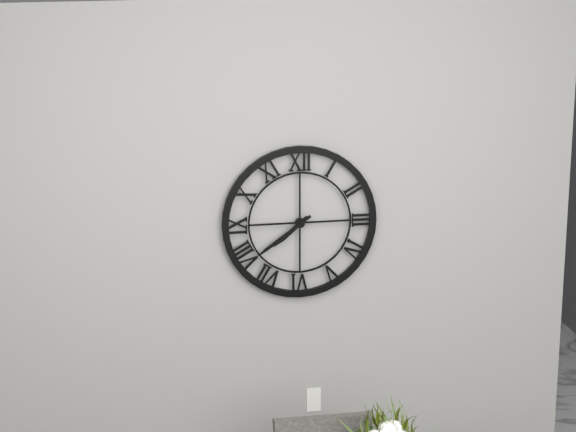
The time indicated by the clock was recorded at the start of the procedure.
7:39
